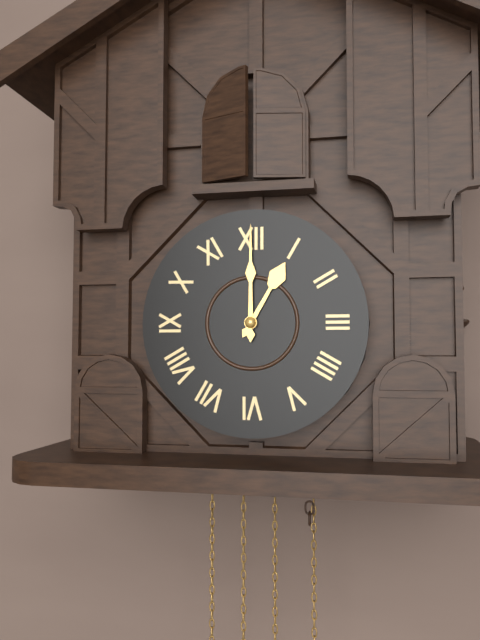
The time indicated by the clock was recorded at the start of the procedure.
1:00
